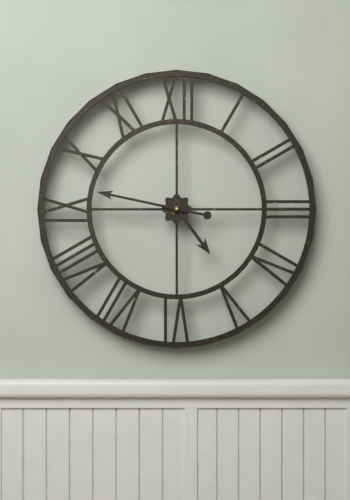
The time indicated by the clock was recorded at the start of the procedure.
4:47
